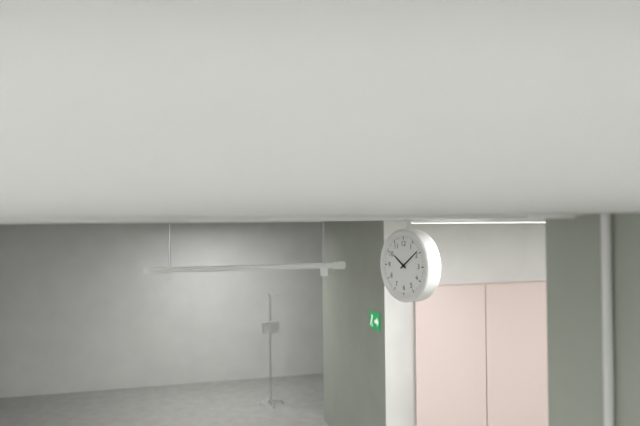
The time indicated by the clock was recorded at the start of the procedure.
10:09
